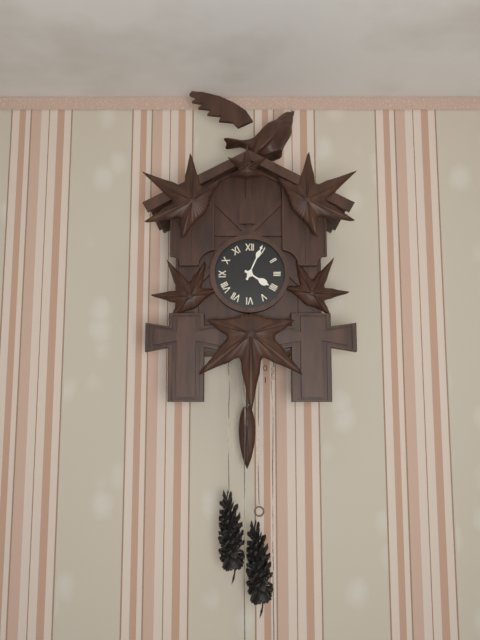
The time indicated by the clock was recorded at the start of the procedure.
4:04
